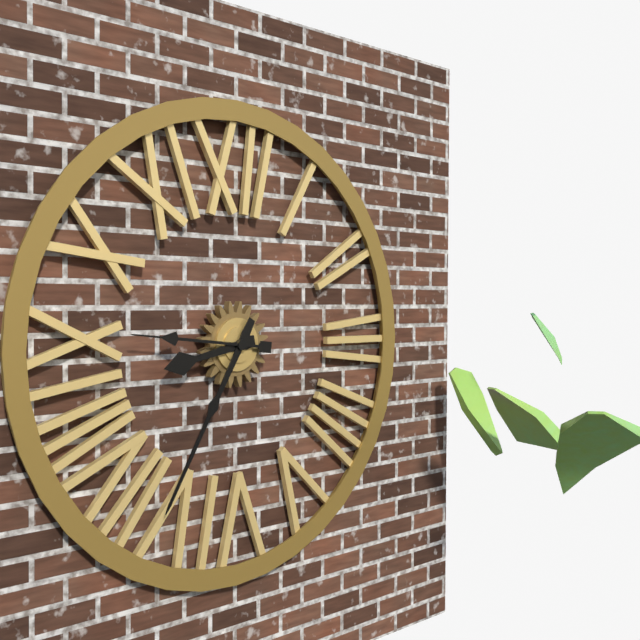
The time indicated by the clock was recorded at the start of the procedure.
8:35:46
